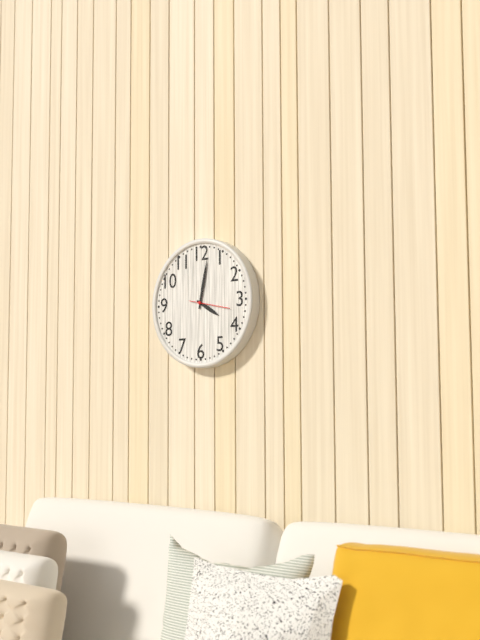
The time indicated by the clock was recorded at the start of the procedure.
4:02
